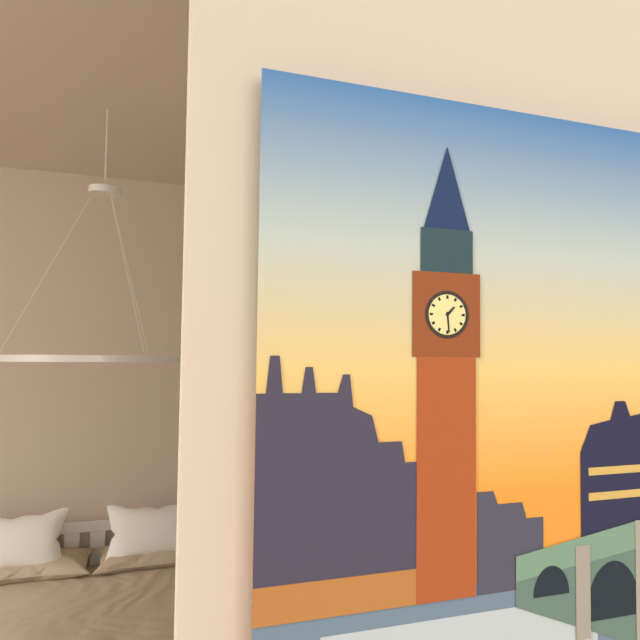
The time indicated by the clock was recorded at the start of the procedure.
1:29
